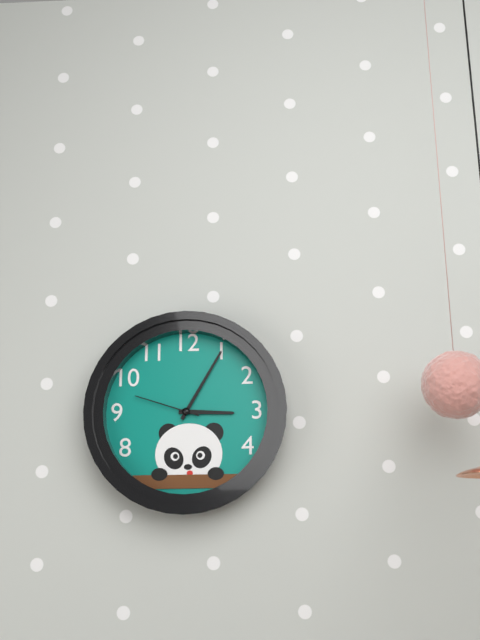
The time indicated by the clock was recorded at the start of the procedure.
3:05:48
